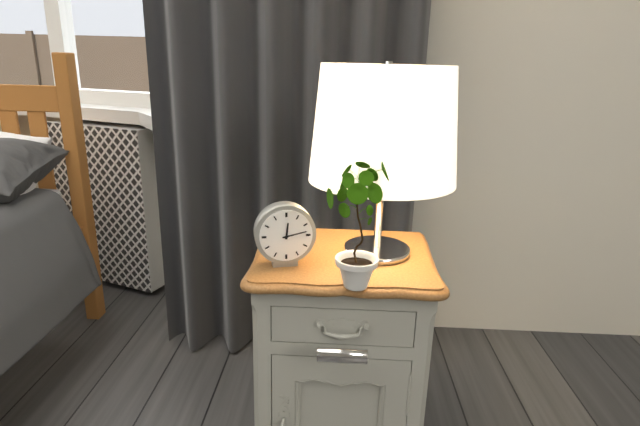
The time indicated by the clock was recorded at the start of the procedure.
12:13
